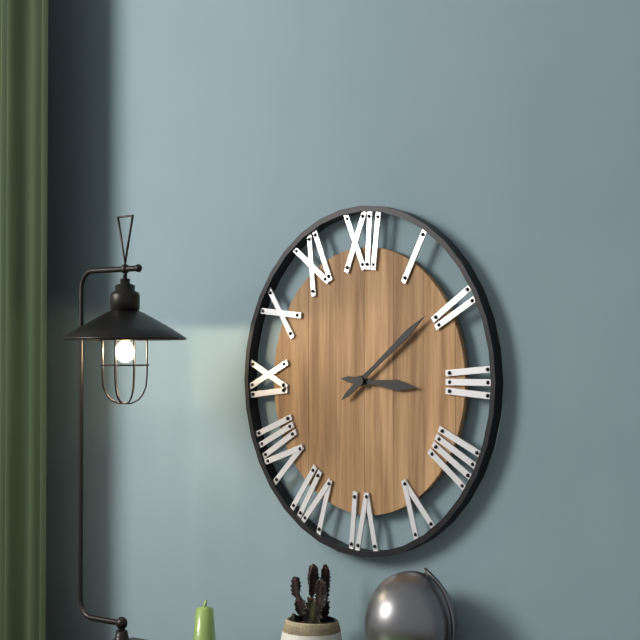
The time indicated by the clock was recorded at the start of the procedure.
3:09
